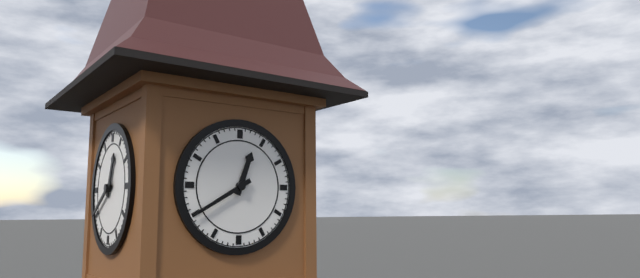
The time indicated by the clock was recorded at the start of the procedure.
12:40
